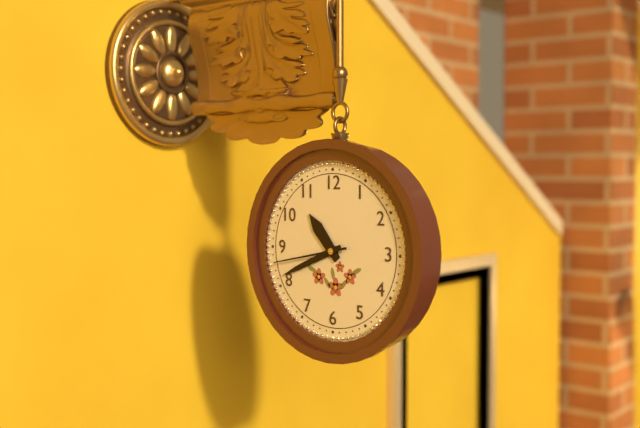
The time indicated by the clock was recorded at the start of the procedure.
10:41:43
